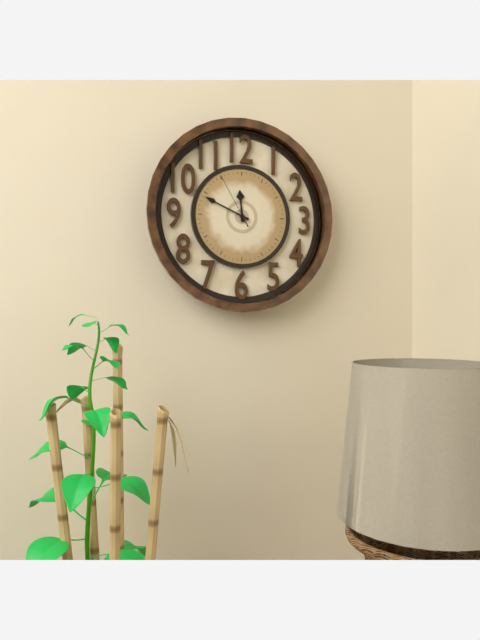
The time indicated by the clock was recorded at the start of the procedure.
11:49:55
